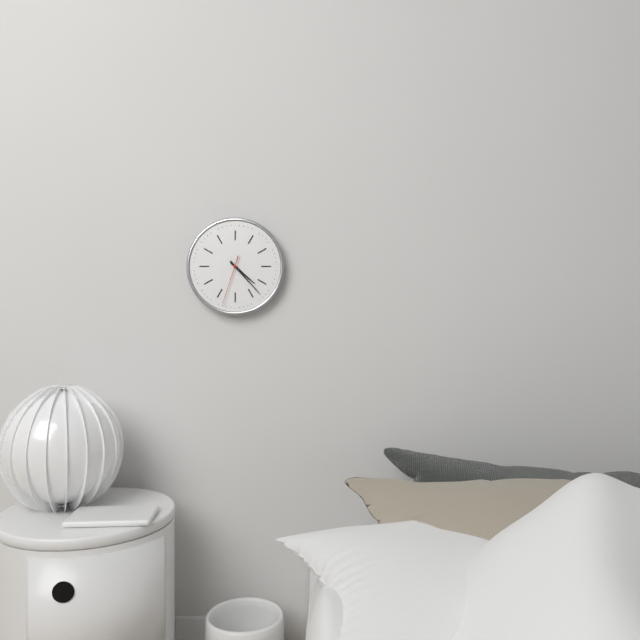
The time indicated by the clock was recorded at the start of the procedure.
4:23:33
